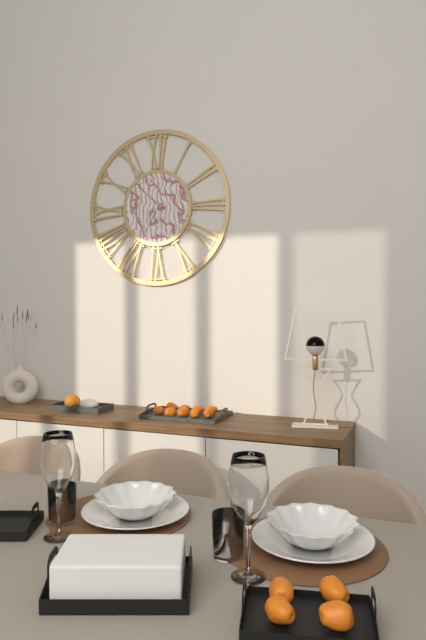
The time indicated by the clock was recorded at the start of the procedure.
5:35
